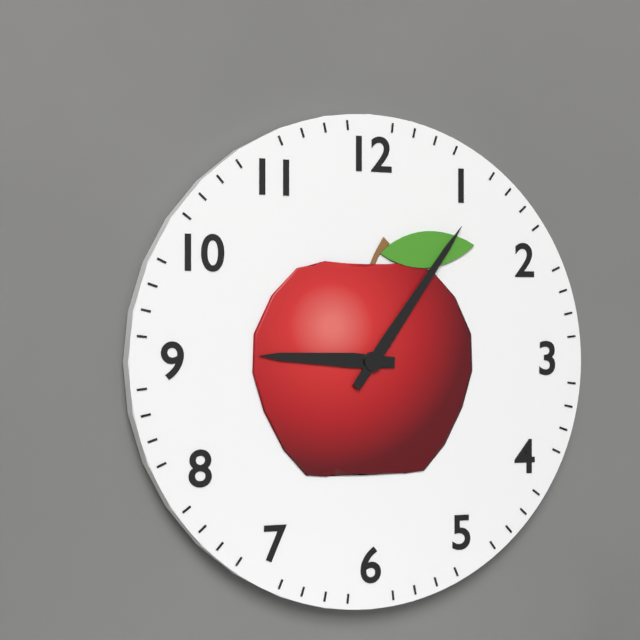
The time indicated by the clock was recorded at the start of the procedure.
9:06
